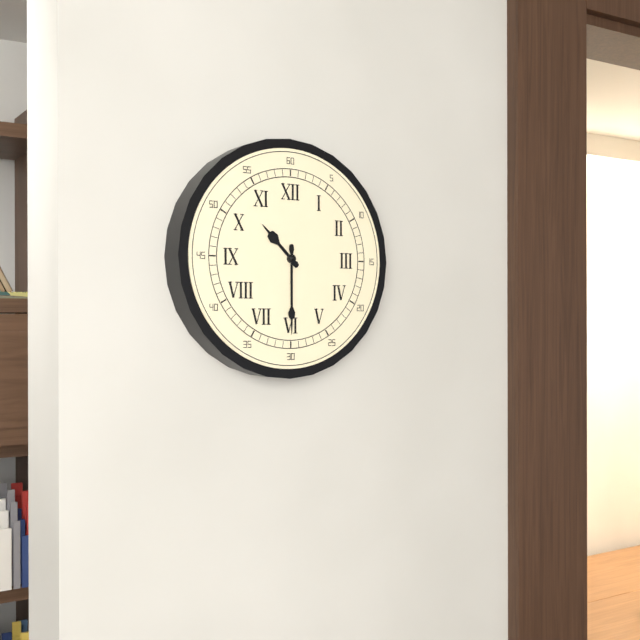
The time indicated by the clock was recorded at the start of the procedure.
10:30
